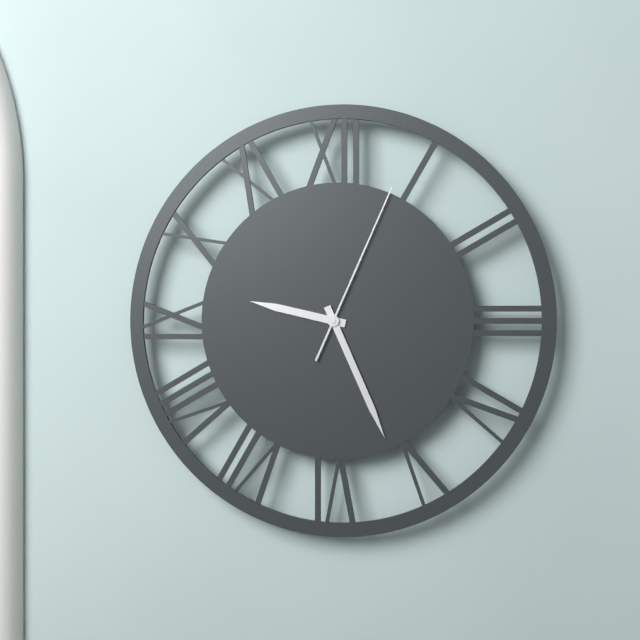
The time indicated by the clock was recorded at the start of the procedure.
9:26:04
